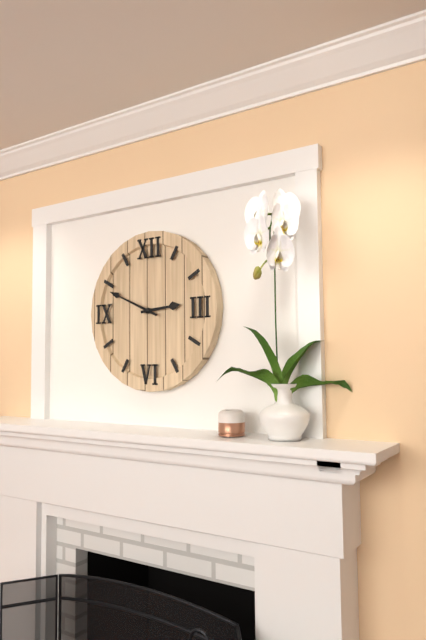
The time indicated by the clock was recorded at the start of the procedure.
2:49
